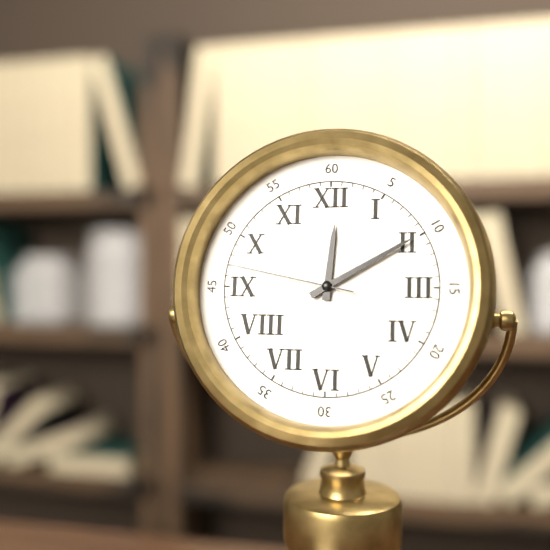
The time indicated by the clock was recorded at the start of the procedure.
12:10:47
